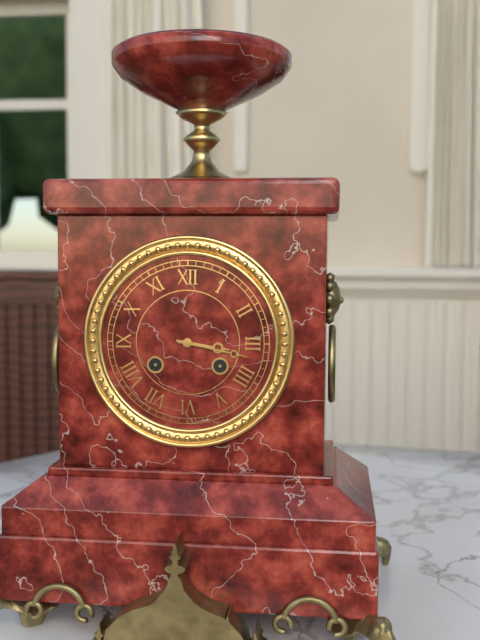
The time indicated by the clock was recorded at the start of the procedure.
3:17
